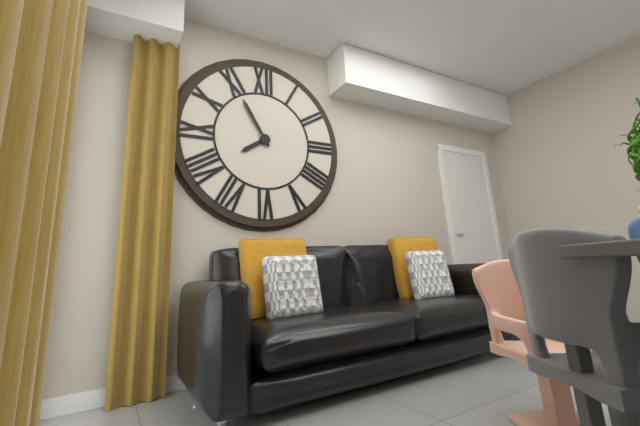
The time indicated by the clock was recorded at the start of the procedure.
7:55
